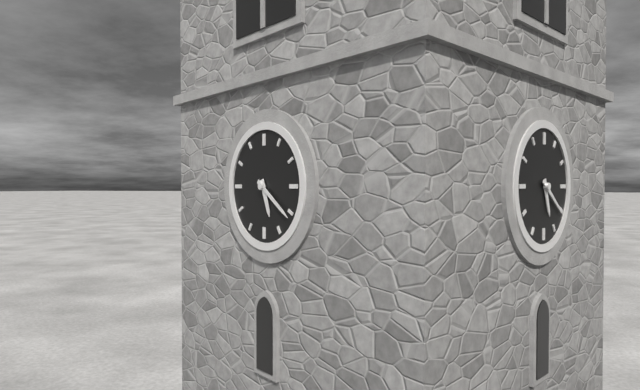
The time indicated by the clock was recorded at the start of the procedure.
5:21
